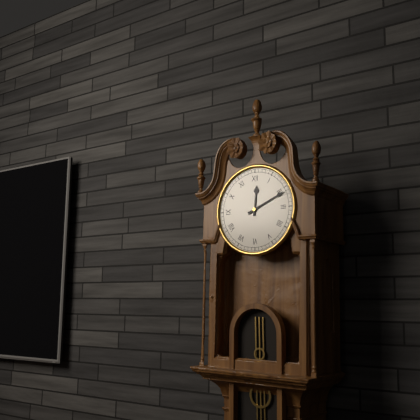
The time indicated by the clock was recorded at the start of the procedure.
12:11
